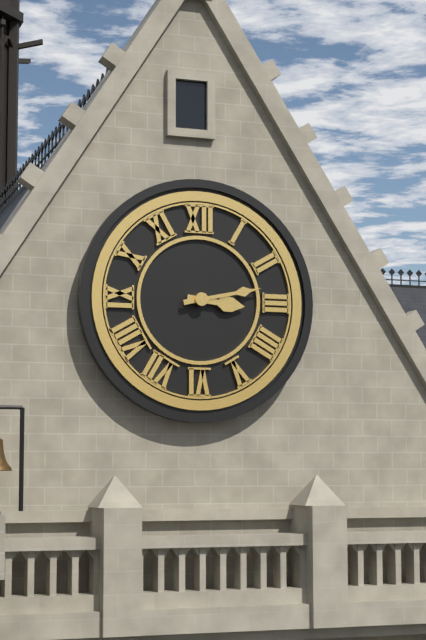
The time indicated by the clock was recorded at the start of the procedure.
3:13
